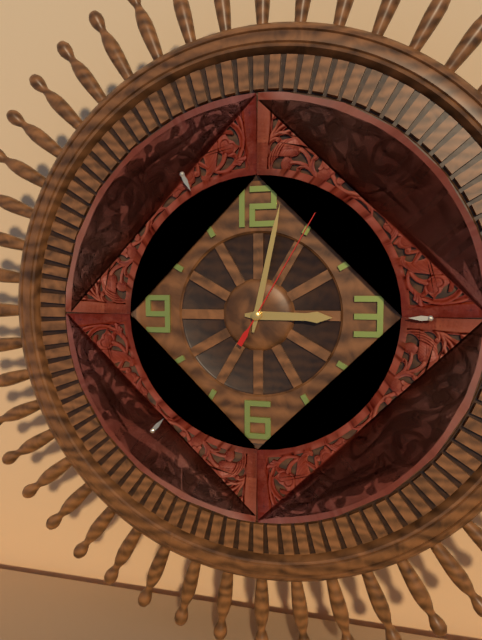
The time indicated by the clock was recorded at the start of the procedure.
3:02:05
